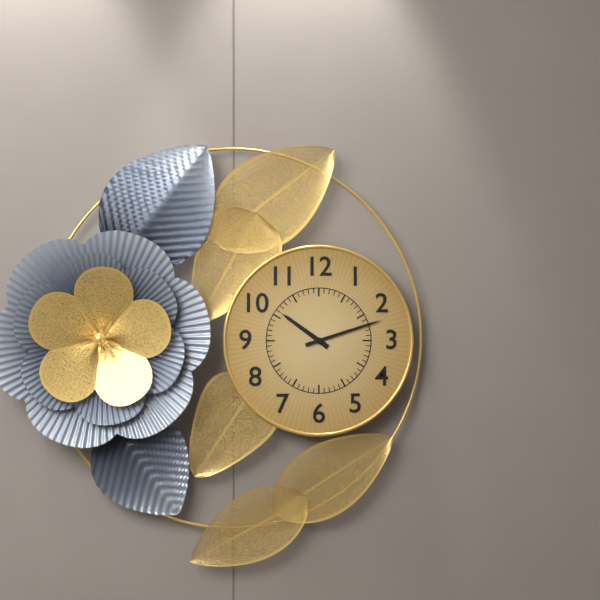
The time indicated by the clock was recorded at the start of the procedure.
10:12
